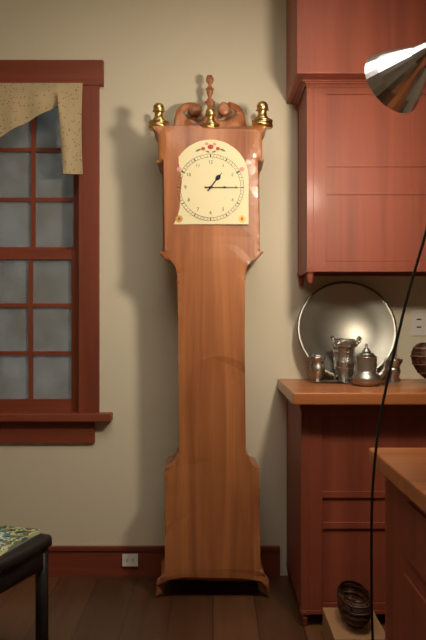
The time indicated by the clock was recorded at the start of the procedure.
1:15
